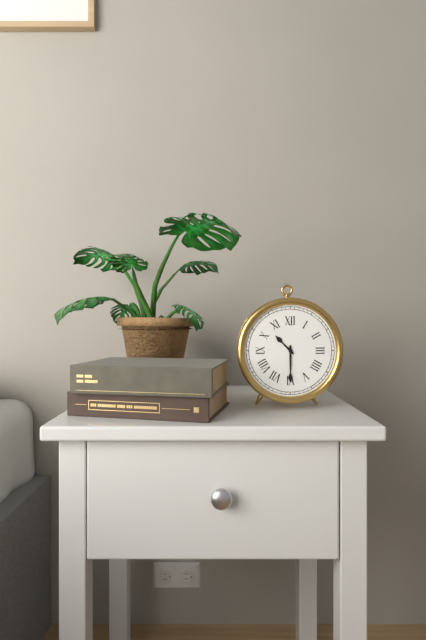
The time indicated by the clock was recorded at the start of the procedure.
10:30
